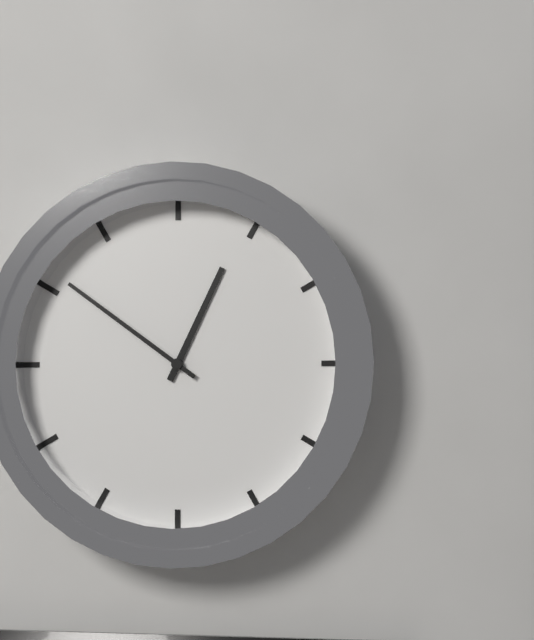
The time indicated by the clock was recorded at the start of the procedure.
12:51
